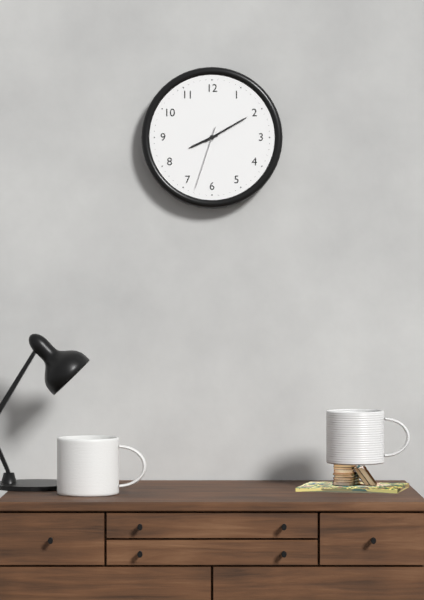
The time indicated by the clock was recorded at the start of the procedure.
8:10:33
